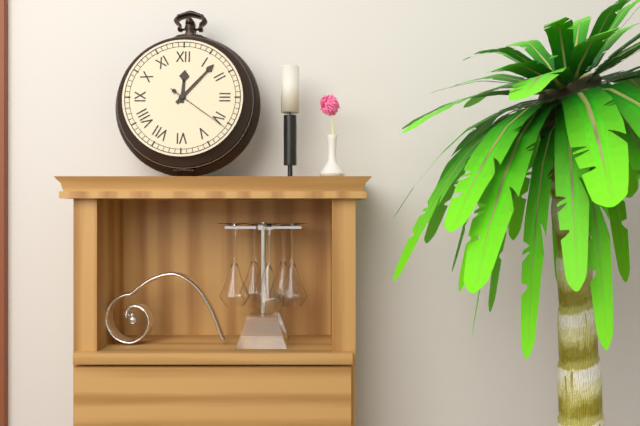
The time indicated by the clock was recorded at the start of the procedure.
12:07:21
